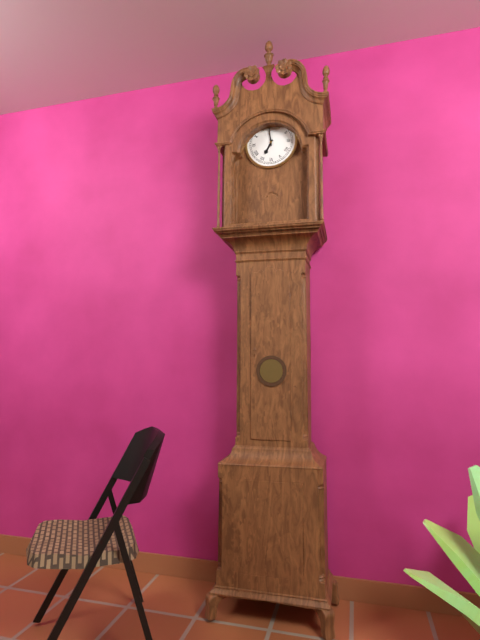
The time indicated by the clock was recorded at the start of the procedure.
6:59
